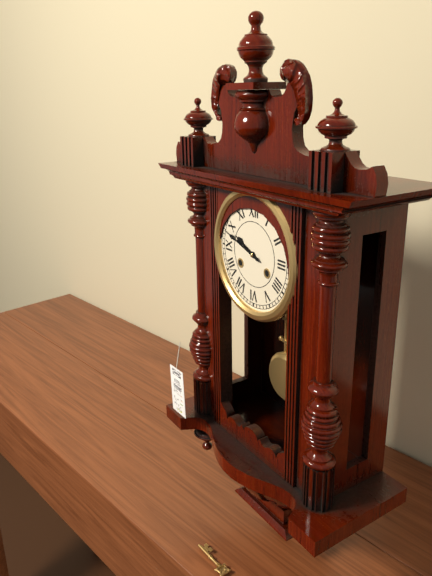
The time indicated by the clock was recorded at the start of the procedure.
9:48
